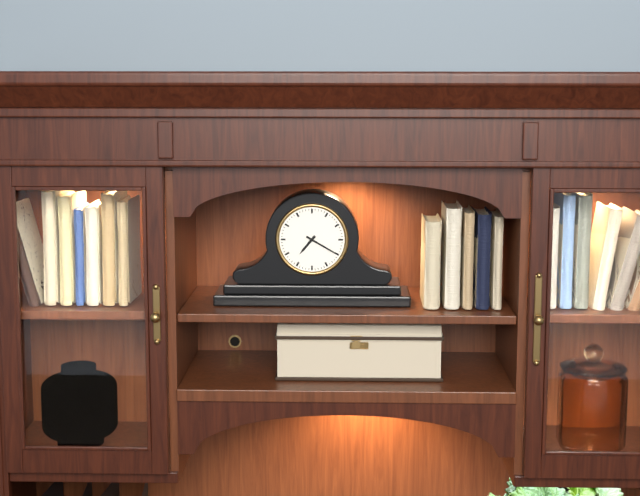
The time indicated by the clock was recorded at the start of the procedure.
7:20
